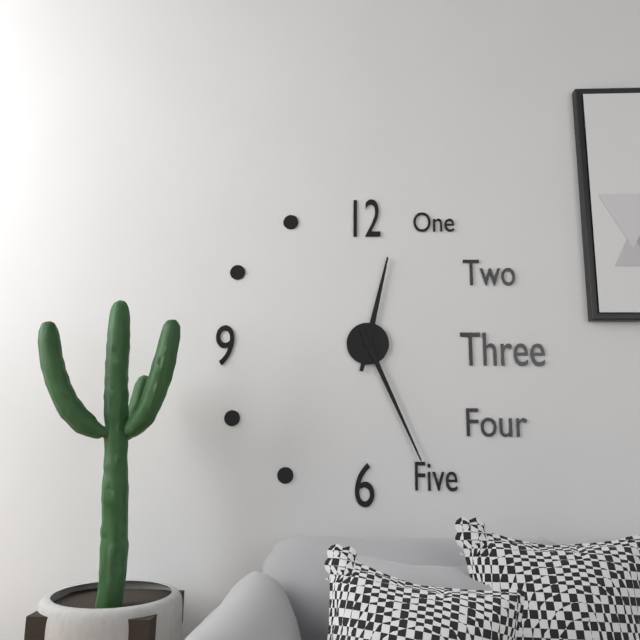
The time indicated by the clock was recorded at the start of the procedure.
12:26
